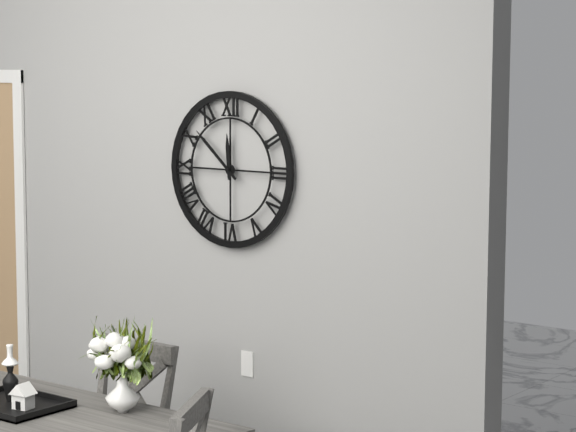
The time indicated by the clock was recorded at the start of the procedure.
11:52
